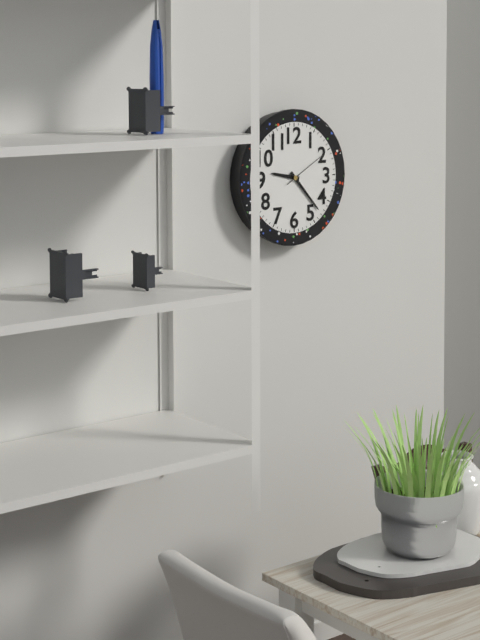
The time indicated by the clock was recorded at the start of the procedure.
9:23
